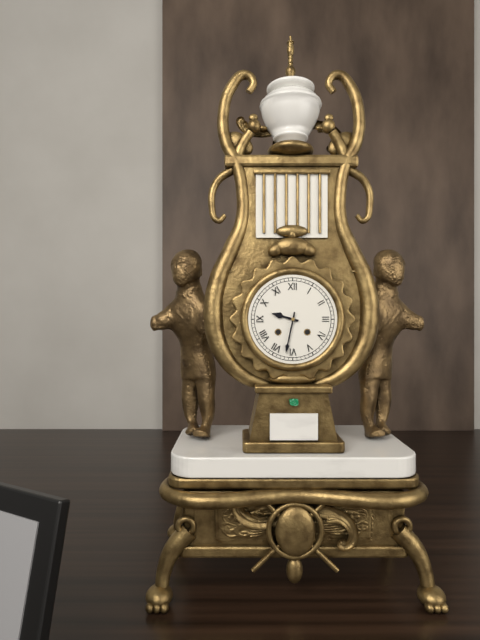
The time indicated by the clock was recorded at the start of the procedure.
9:32
